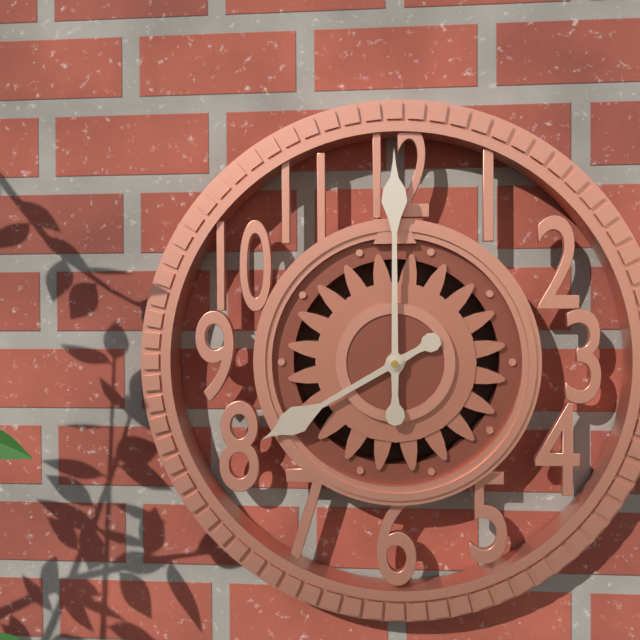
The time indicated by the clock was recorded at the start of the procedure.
8:00
